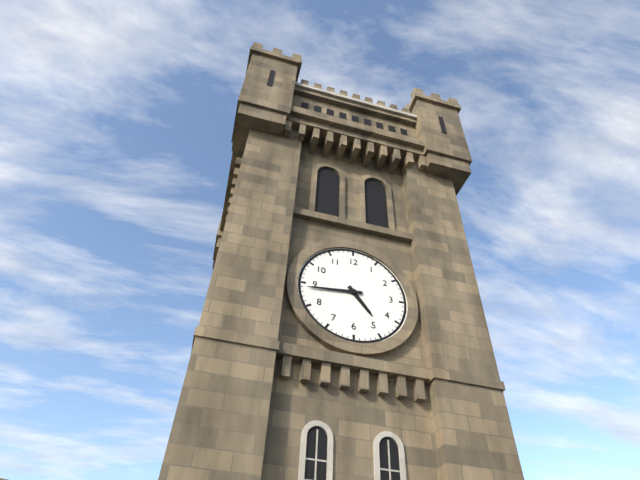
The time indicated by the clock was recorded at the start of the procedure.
4:44
